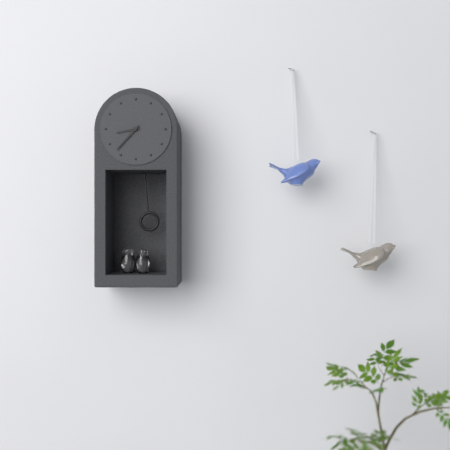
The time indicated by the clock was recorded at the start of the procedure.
8:37
